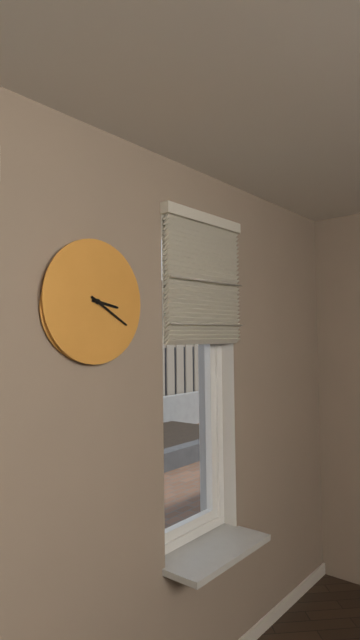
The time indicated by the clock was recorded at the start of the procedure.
3:20
